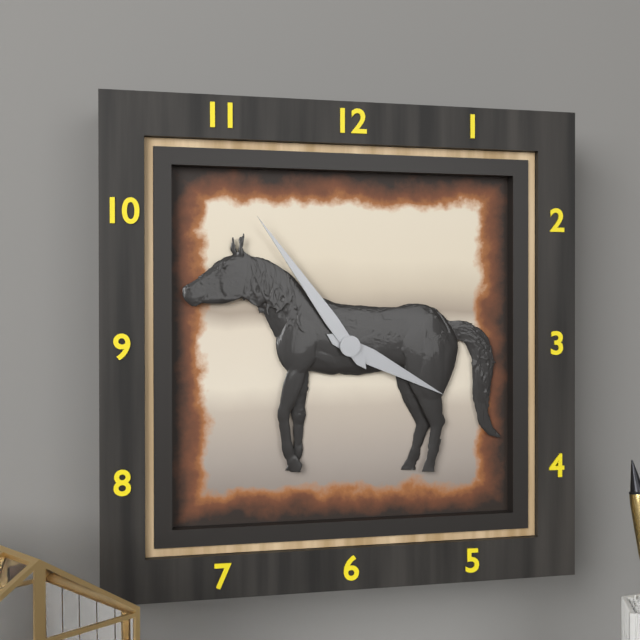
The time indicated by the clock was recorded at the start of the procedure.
3:54
